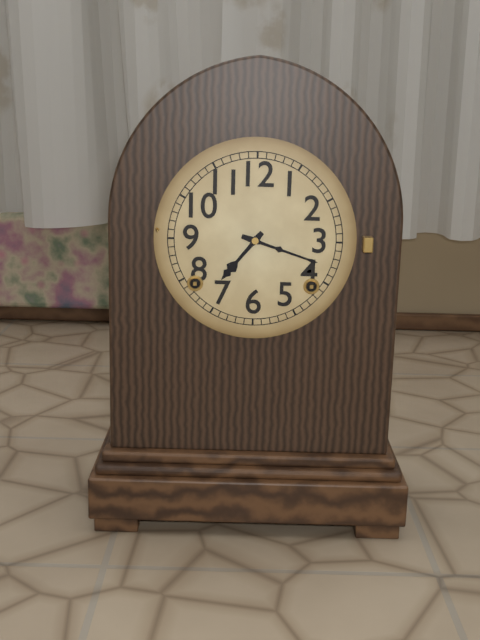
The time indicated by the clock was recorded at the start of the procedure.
7:18
